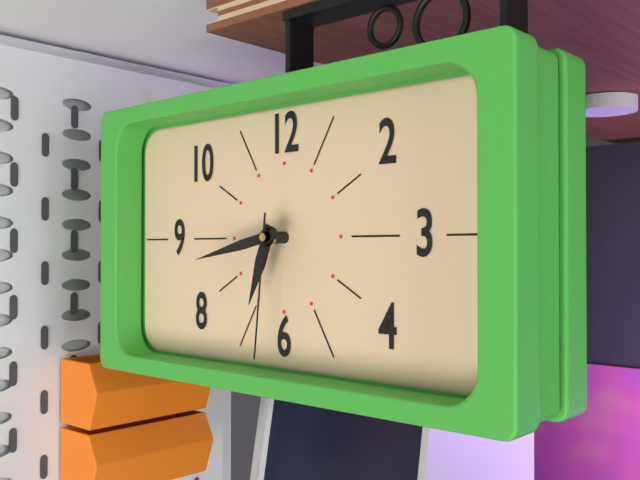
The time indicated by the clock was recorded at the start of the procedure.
6:43:31
